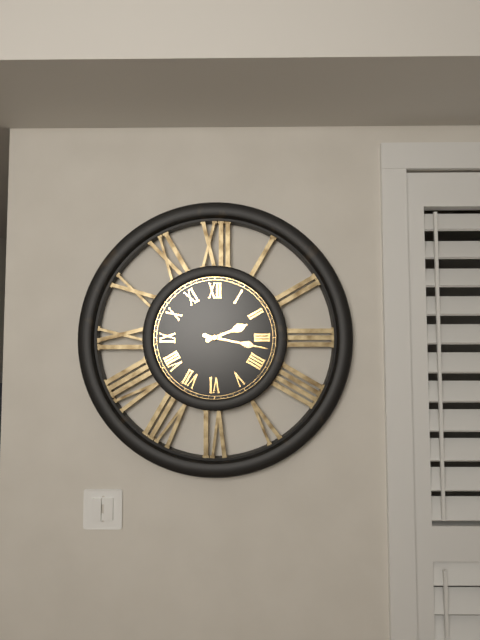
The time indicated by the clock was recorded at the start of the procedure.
2:17
